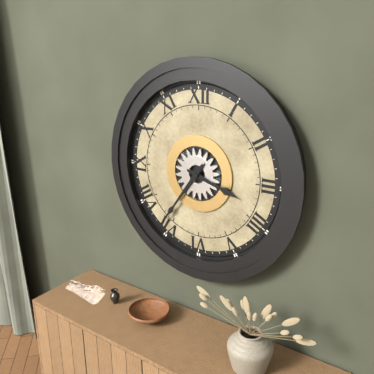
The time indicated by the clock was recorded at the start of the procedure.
3:36
